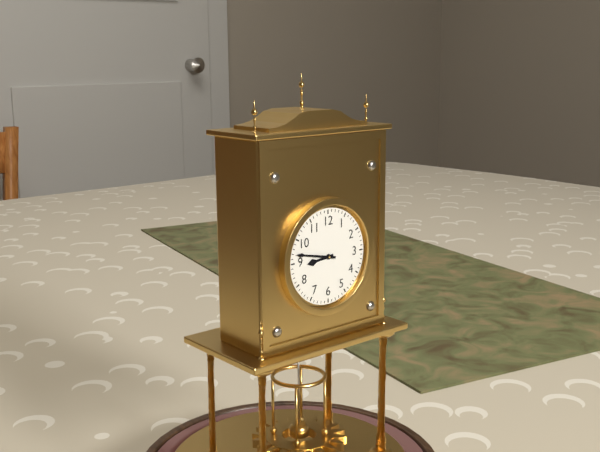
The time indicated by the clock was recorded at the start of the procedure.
8:47
